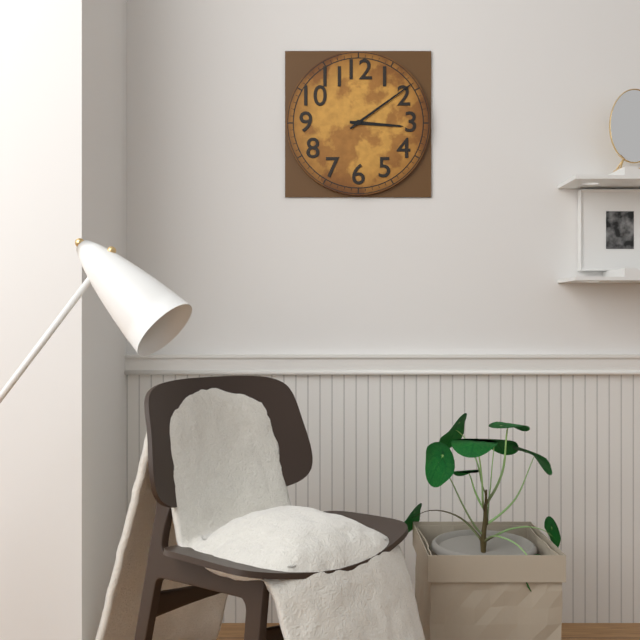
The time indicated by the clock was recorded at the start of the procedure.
3:09
